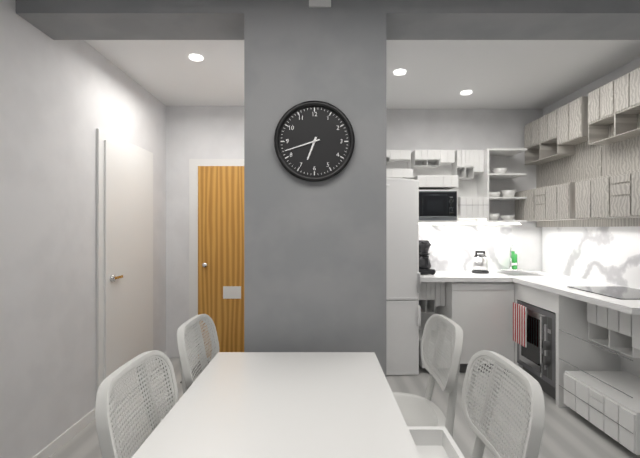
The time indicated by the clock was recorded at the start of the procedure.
6:42
